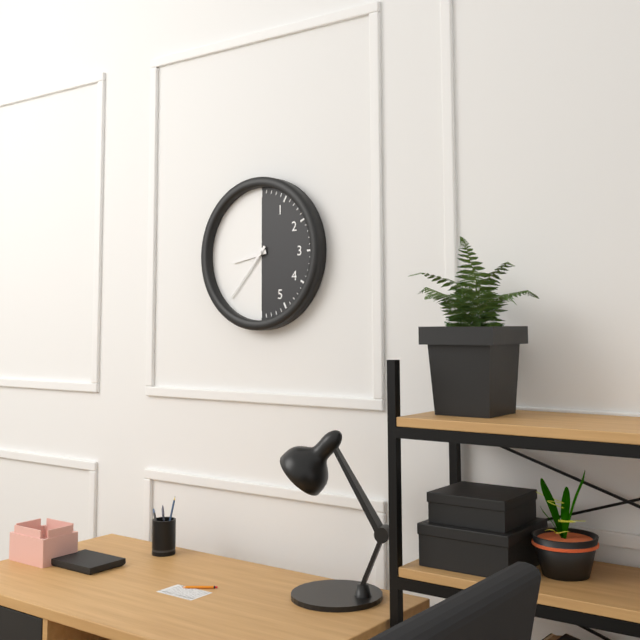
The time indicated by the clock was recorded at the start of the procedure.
8:37
